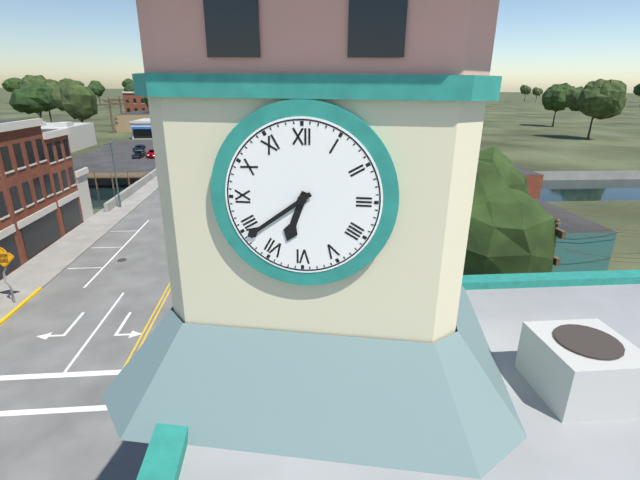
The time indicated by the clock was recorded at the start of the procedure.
6:39
